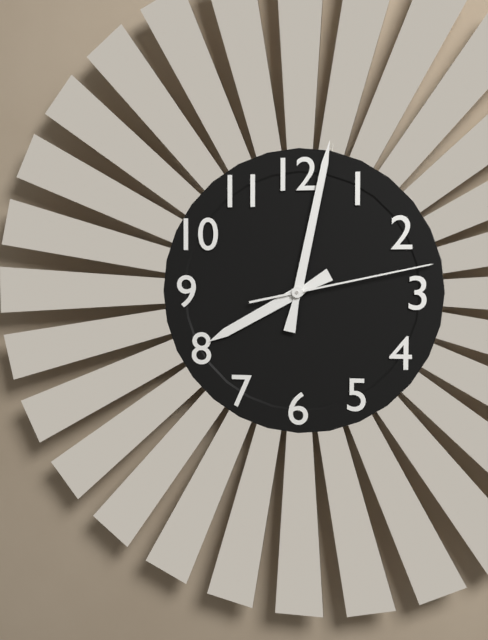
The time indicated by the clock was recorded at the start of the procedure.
8:02:13
